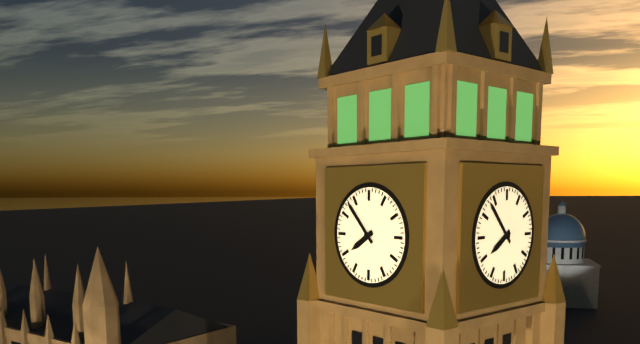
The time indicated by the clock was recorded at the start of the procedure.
7:53
